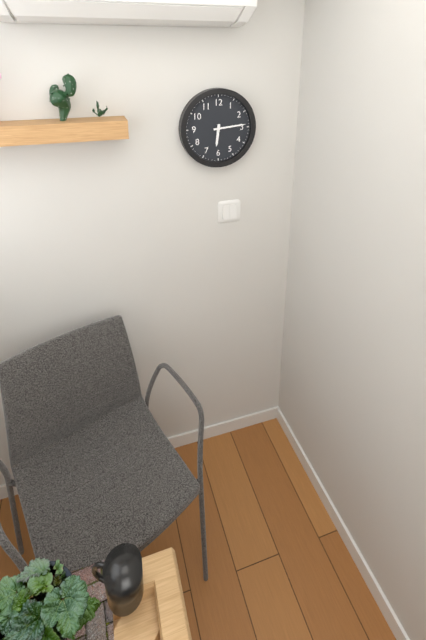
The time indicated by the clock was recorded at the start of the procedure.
6:14
